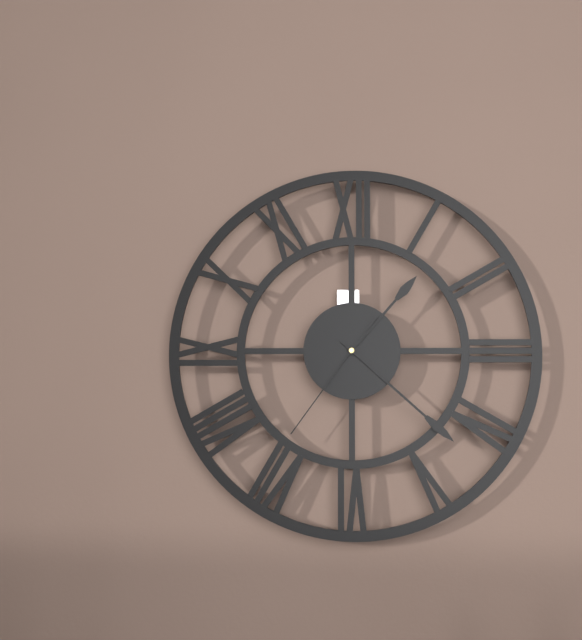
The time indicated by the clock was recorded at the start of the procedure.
1:22:36
